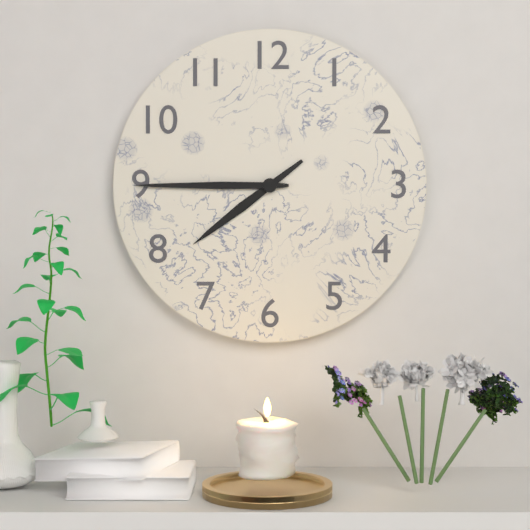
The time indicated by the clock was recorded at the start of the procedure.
7:45
